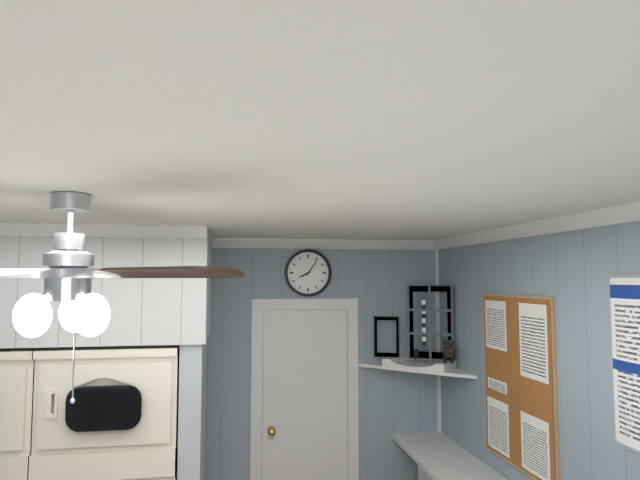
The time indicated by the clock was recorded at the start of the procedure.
8:06
